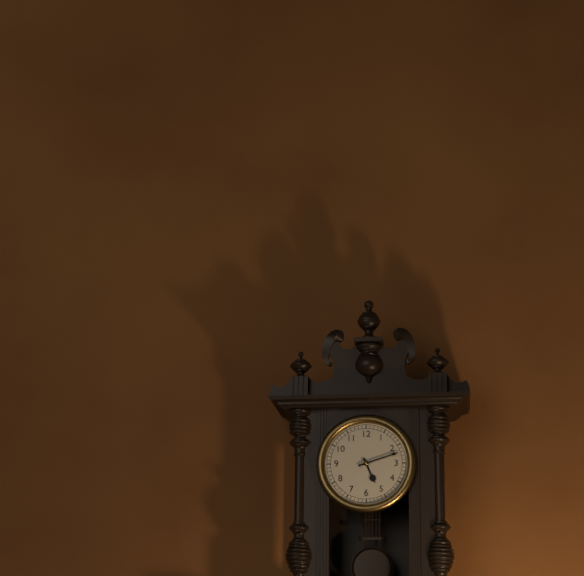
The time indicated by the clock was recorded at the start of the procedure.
5:12
